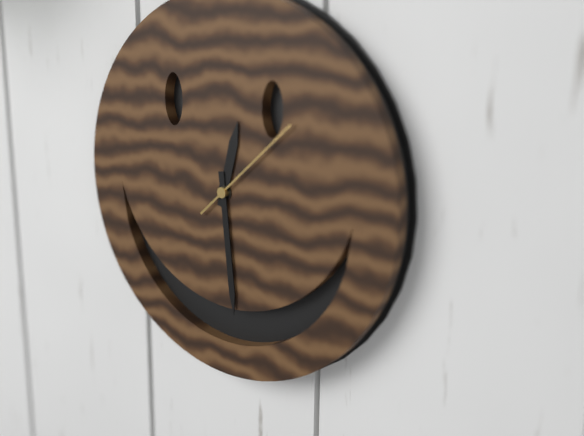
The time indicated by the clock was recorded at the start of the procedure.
12:29:08
